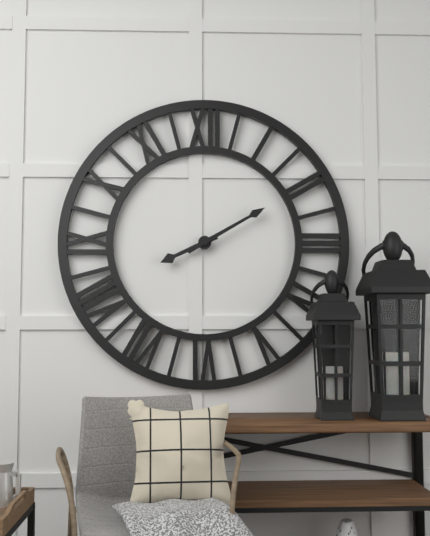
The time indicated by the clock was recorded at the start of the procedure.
8:10
